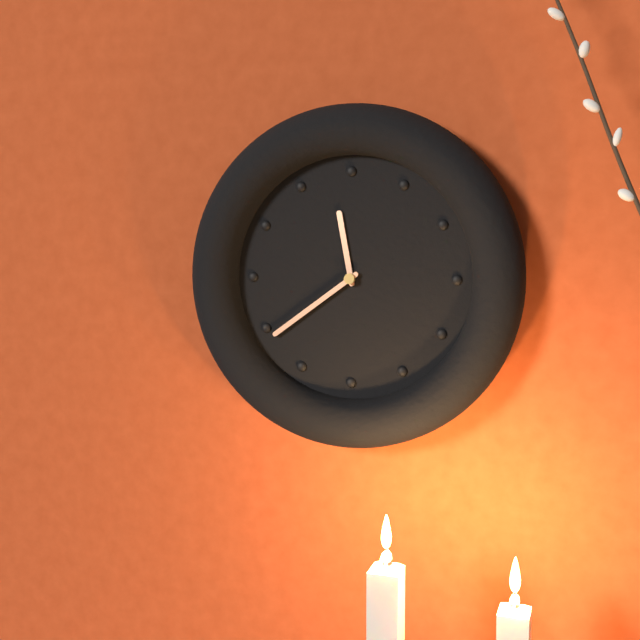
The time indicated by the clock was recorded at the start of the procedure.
11:39
